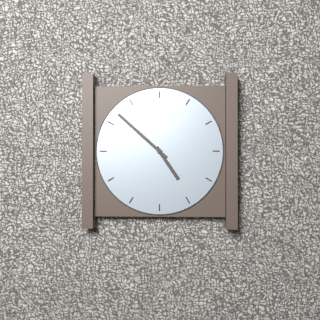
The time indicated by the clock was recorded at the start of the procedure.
4:52
